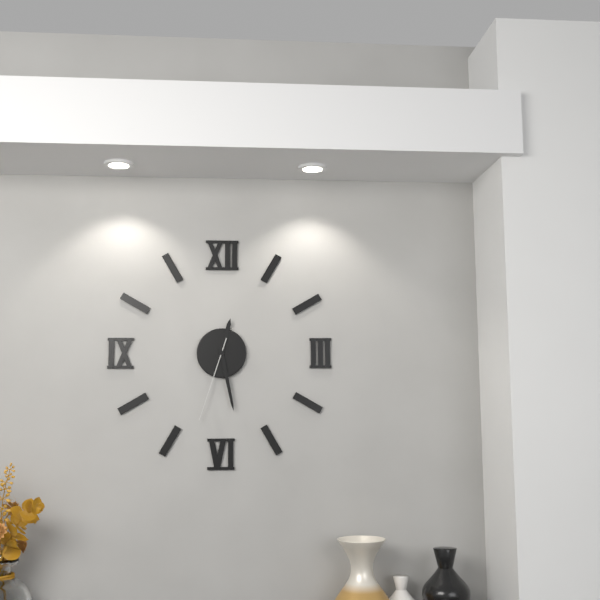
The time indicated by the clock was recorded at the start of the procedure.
12:28:33
